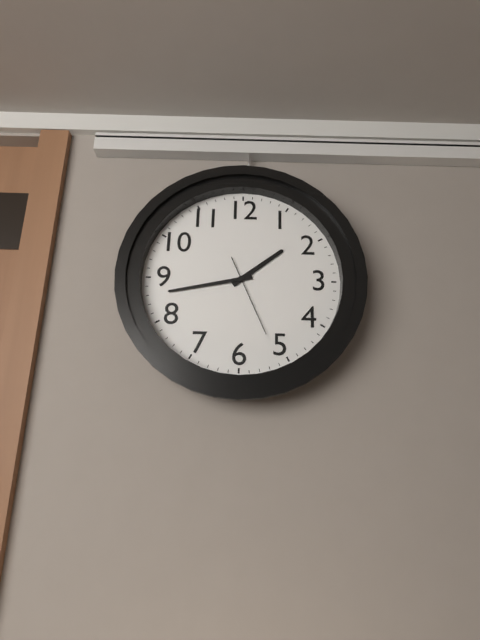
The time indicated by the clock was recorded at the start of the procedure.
1:43:26
